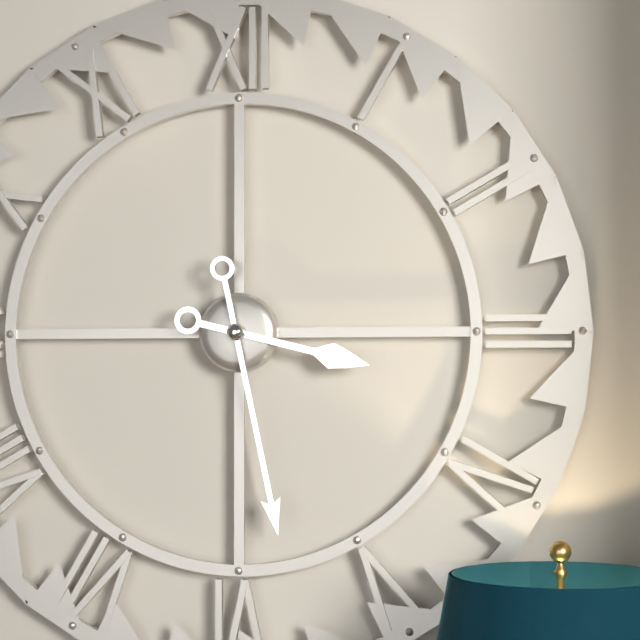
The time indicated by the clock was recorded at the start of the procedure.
3:28
